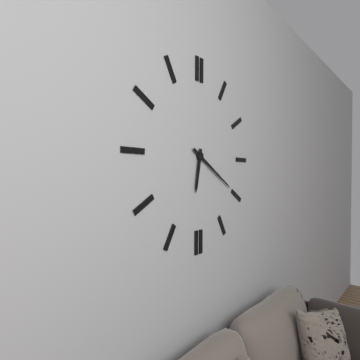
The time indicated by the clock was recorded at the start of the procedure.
6:20
